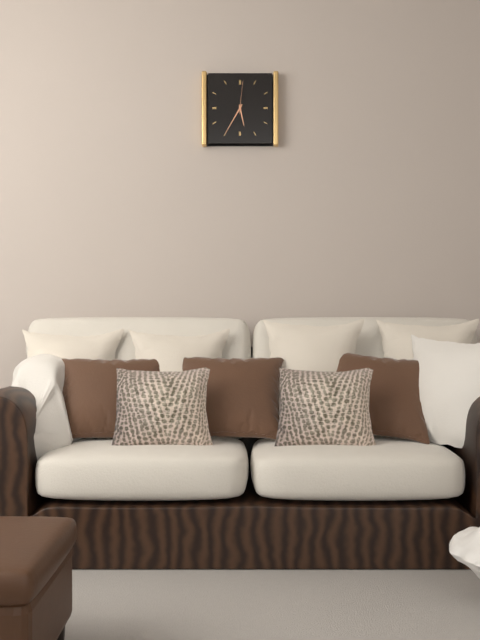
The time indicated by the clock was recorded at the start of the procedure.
5:35
